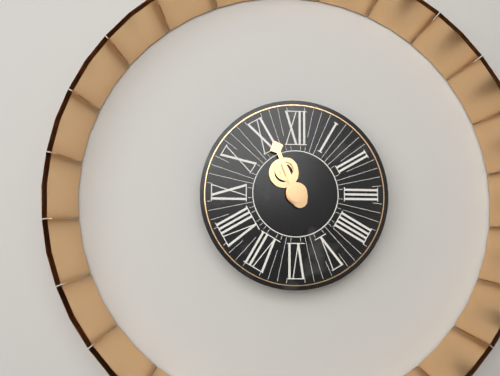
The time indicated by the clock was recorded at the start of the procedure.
10:56
